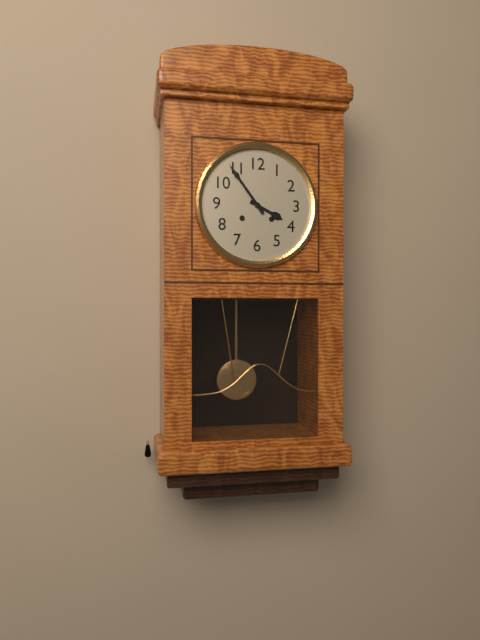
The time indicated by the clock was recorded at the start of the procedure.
3:54
